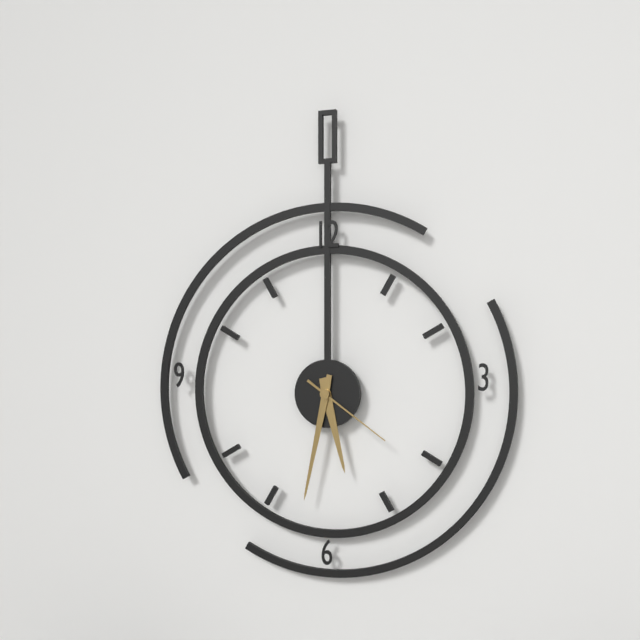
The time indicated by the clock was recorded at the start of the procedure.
5:32:21
